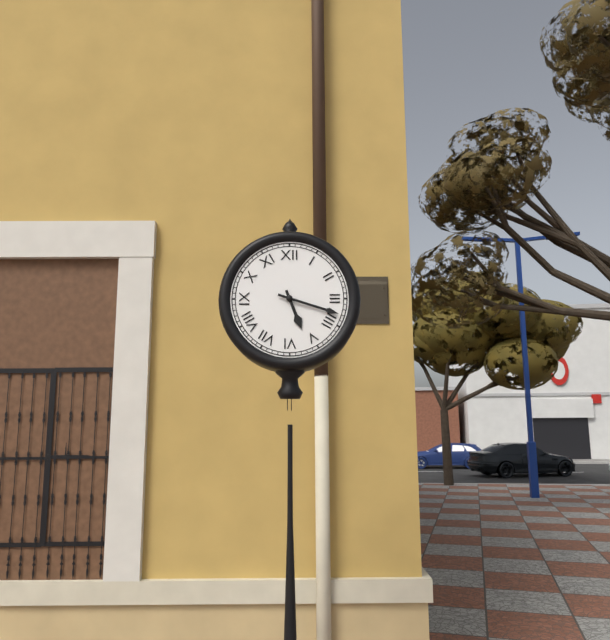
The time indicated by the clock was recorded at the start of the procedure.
5:18
